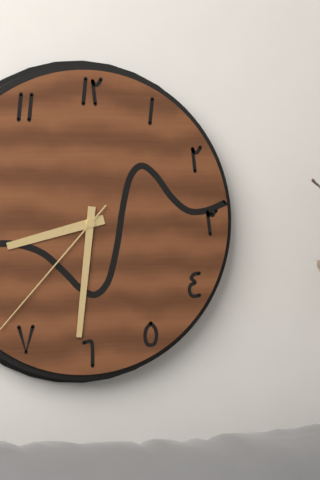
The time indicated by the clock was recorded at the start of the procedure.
8:31:37
